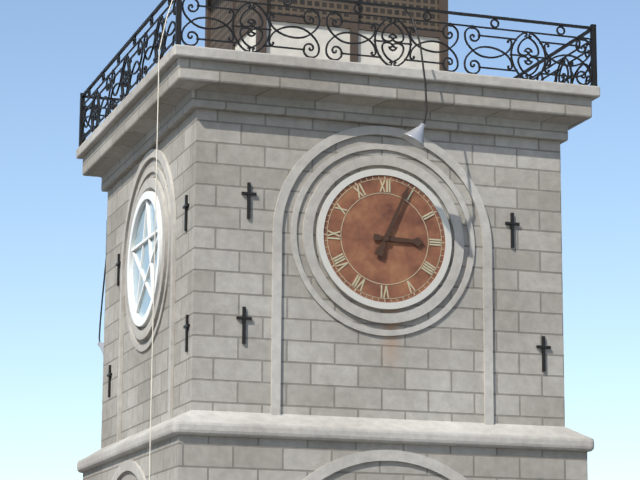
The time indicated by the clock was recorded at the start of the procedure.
3:04
